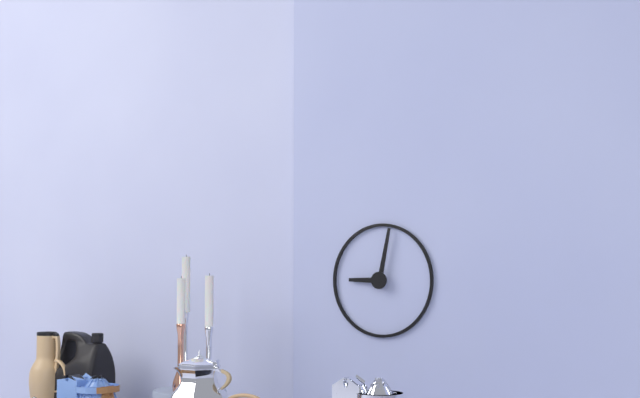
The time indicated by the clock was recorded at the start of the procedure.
9:02
